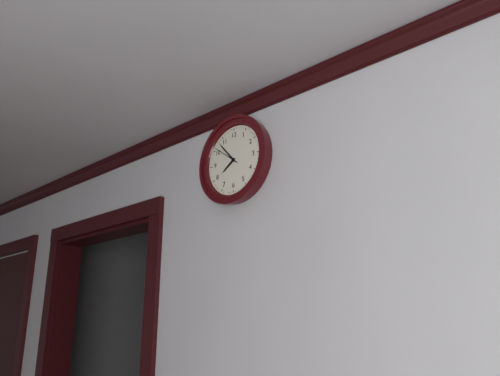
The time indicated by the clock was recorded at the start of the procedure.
7:53
